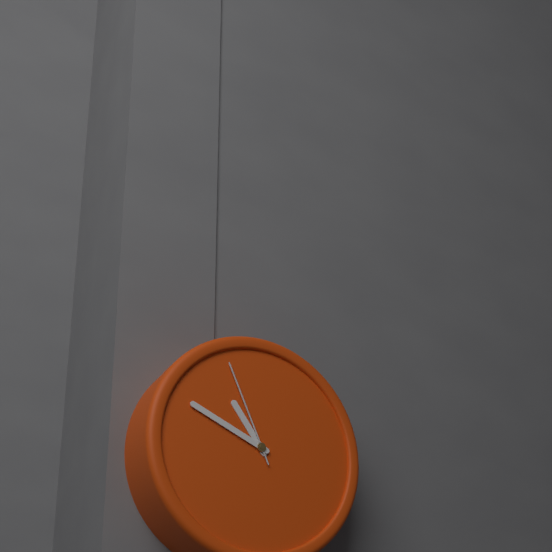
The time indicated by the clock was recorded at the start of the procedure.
10:49:56
